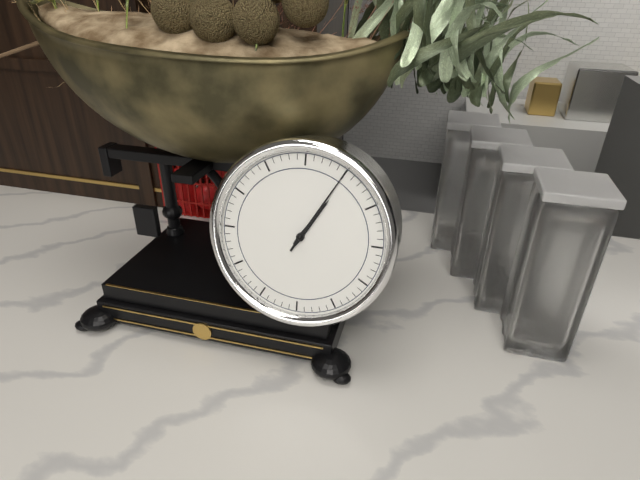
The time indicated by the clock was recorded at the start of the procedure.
1:05
